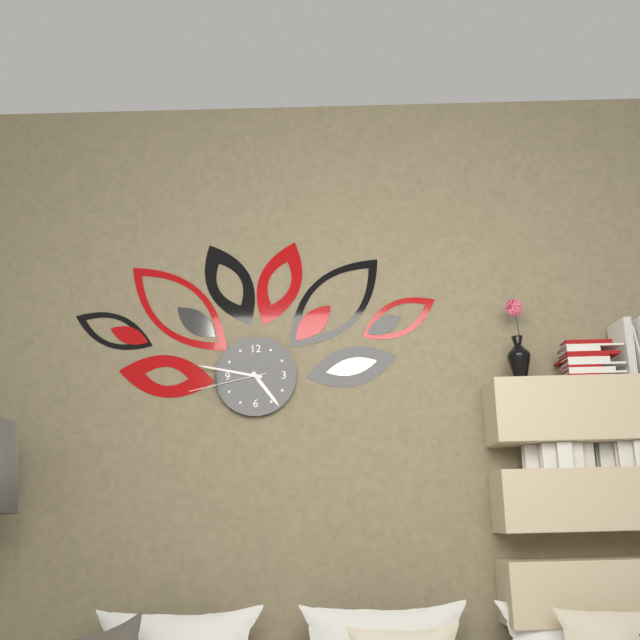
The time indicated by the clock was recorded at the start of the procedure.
4:47:43
